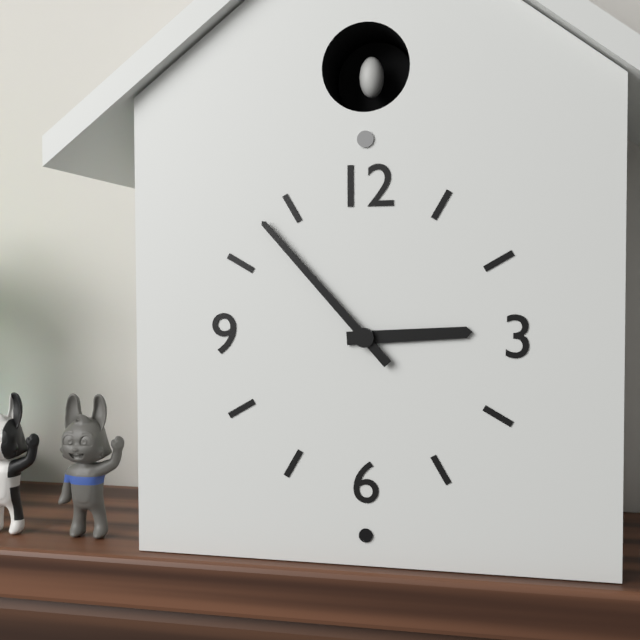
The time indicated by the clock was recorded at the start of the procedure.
2:53
